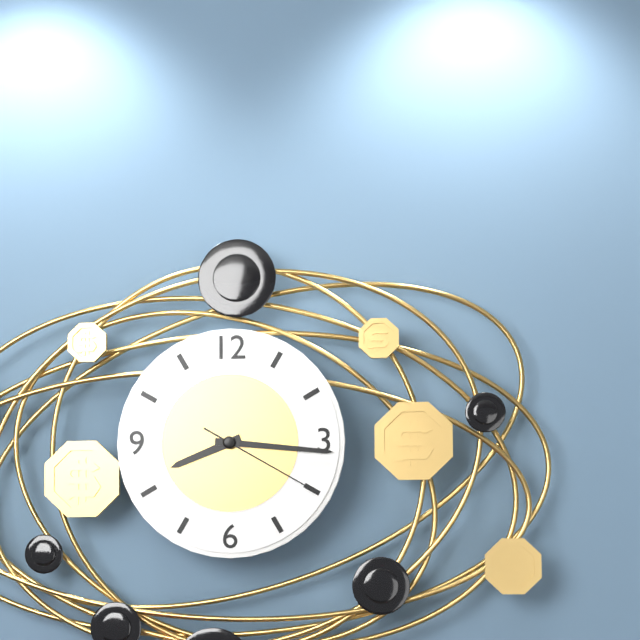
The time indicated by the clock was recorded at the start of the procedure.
8:16:20
